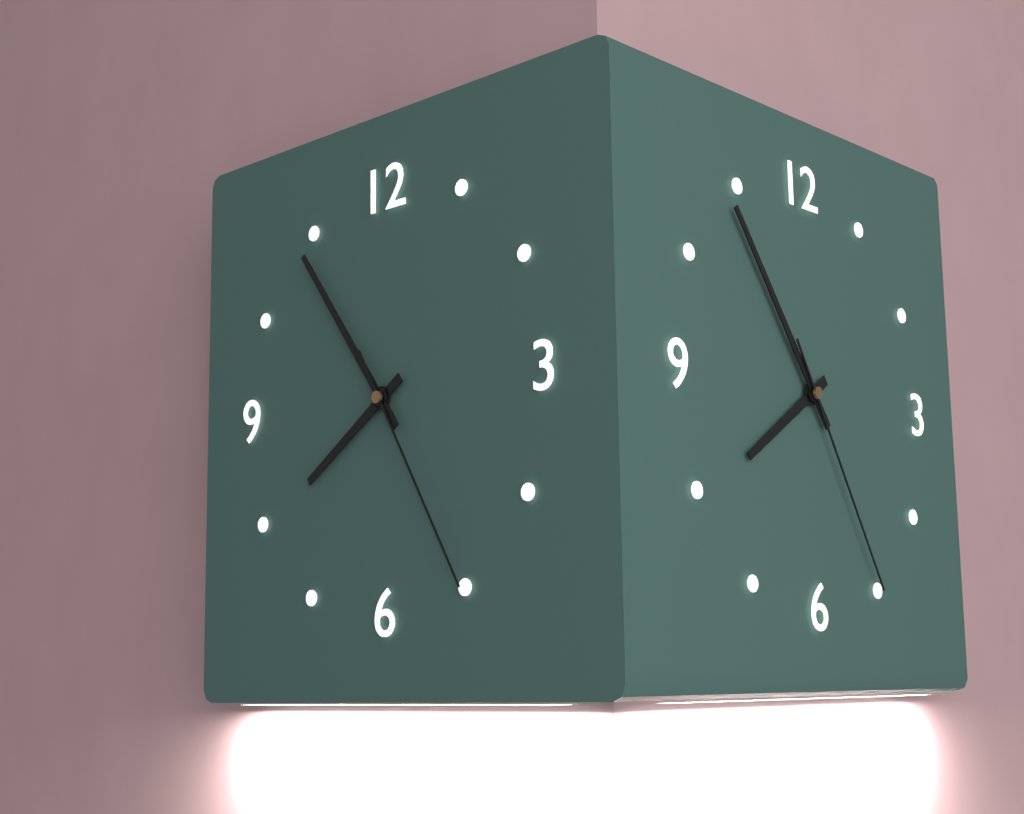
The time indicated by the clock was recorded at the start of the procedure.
7:54:25
